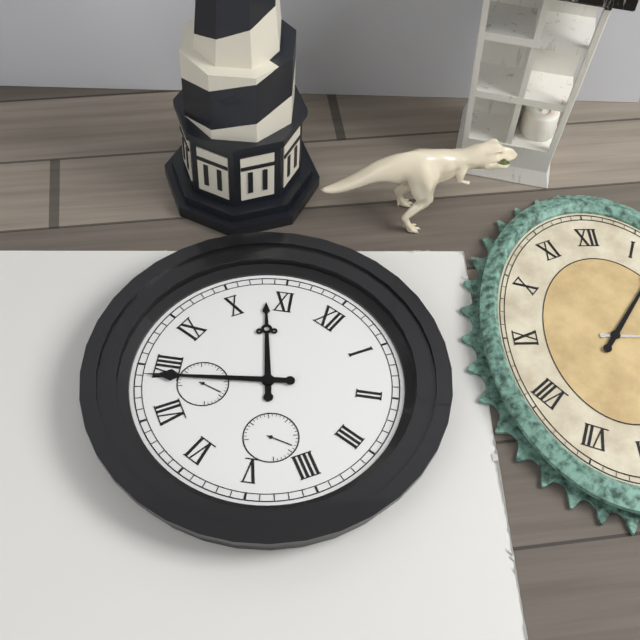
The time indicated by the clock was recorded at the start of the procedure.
10:39
